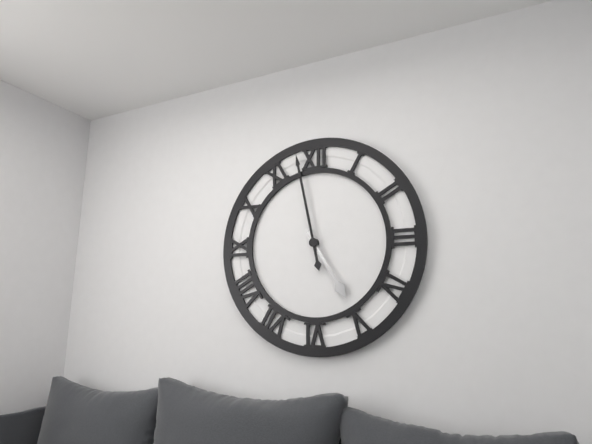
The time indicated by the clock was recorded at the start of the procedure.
4:58
